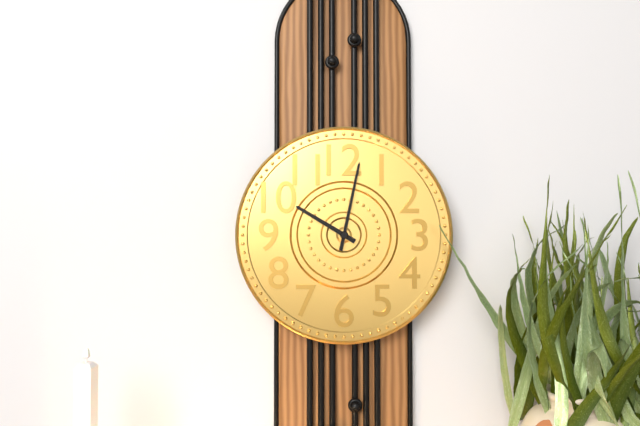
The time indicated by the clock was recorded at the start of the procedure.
10:02
